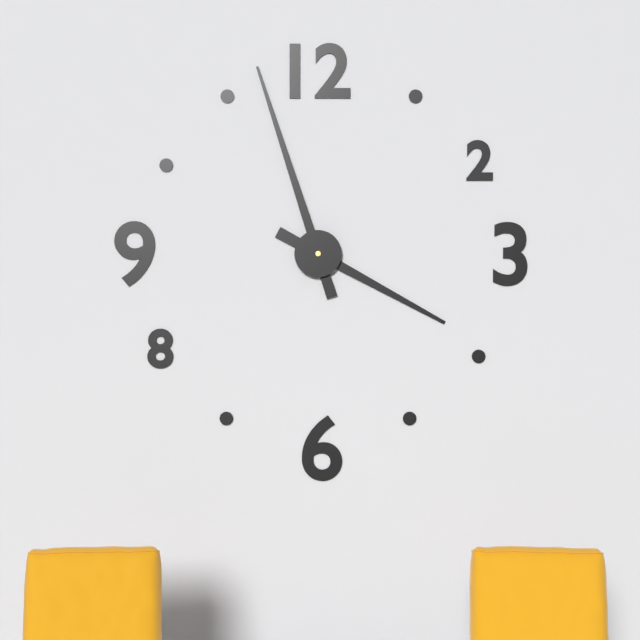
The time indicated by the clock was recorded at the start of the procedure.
3:57
